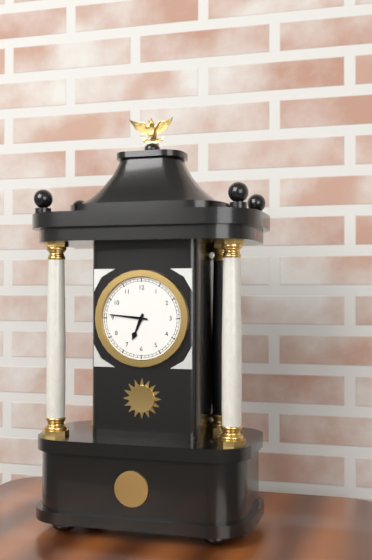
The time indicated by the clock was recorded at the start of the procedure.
6:46
